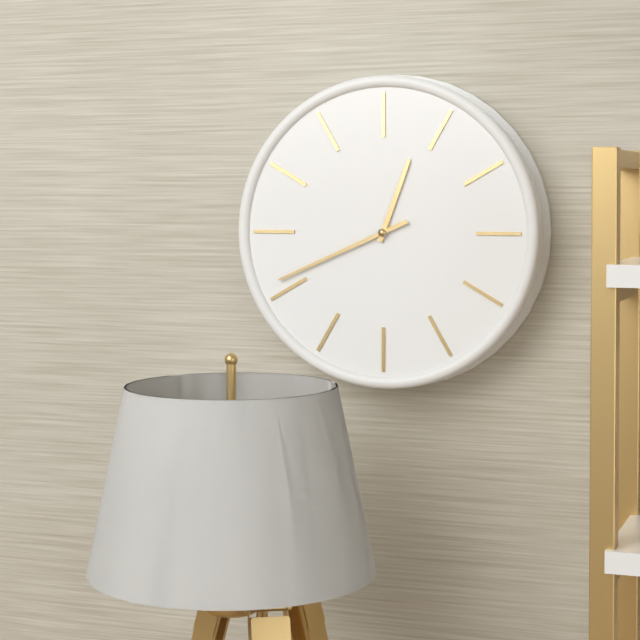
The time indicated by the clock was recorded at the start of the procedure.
12:41
